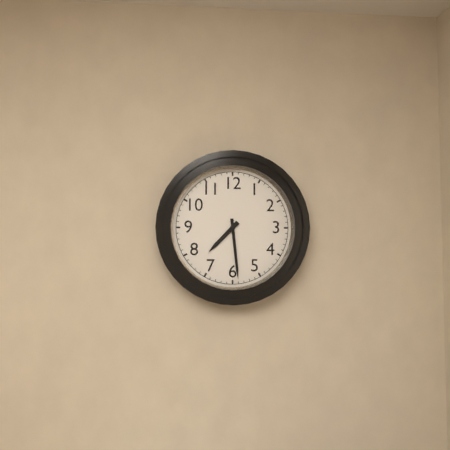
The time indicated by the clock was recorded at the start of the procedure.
7:29
